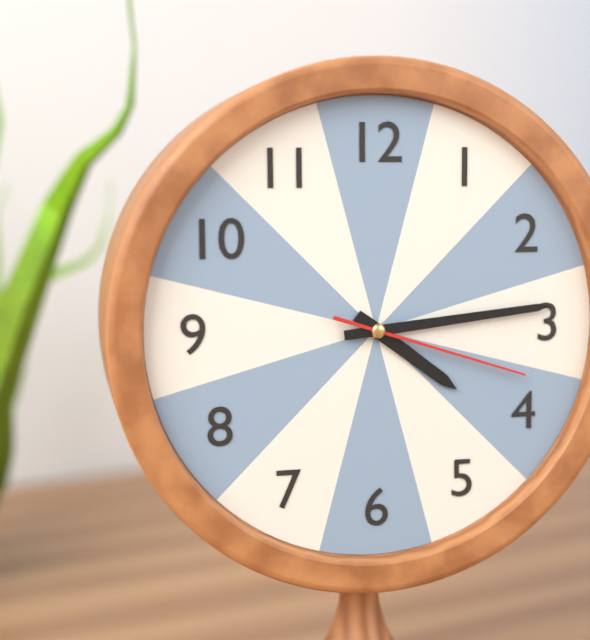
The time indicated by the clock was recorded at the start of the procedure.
4:14:18
